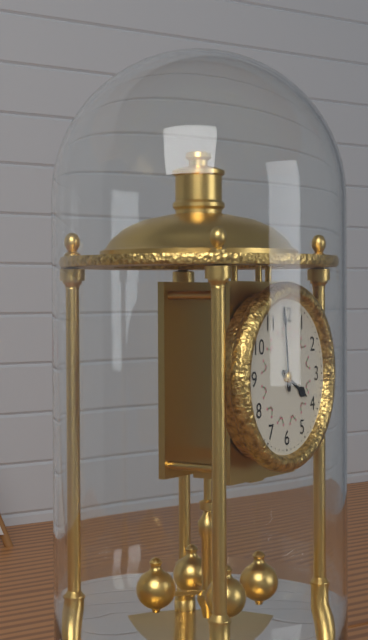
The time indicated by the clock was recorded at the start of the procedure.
3:59
